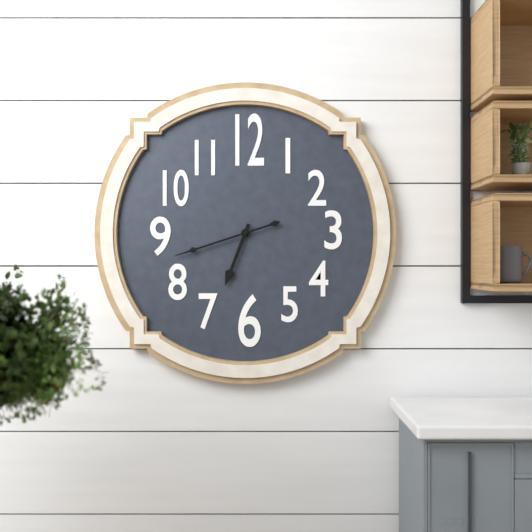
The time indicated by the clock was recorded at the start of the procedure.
6:42
